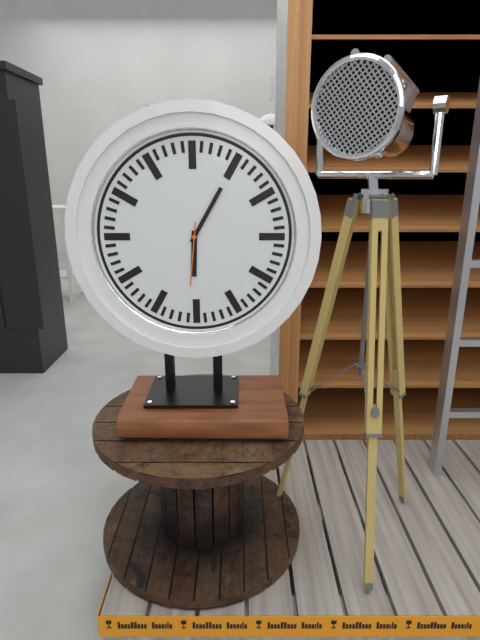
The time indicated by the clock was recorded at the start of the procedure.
6:05:31
